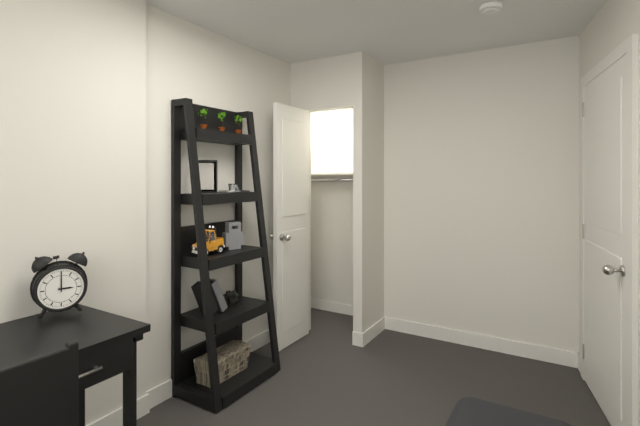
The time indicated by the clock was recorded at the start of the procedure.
3:00
